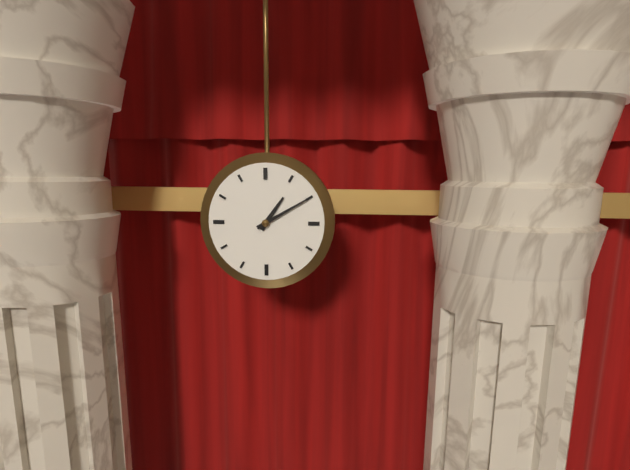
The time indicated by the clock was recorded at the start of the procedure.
1:10
